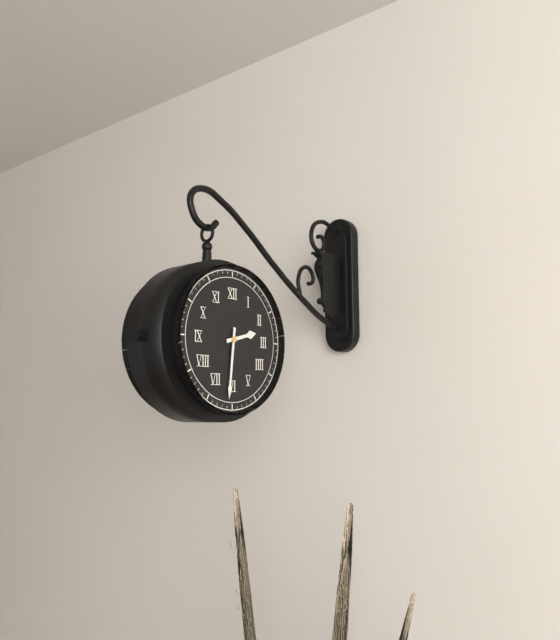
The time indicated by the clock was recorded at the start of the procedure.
2:31
